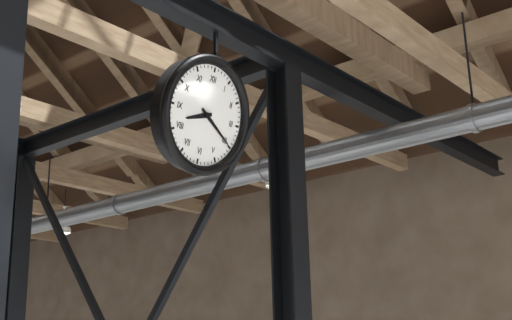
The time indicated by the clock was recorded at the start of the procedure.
8:20
